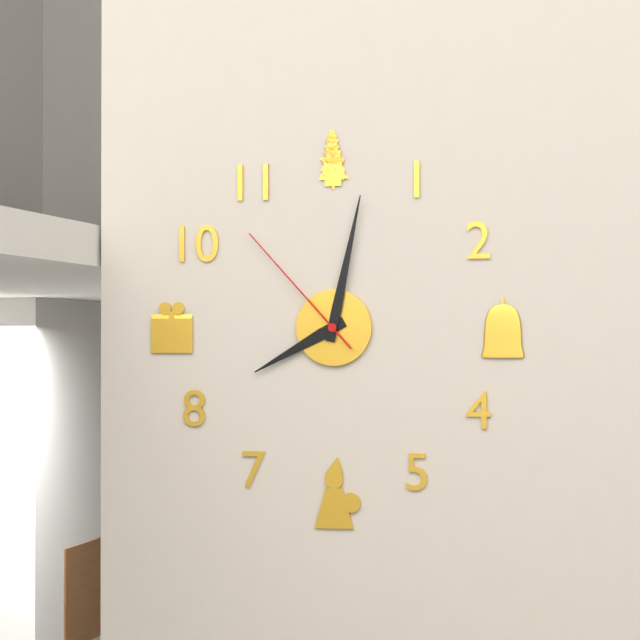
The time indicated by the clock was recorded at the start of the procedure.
8:02:53
